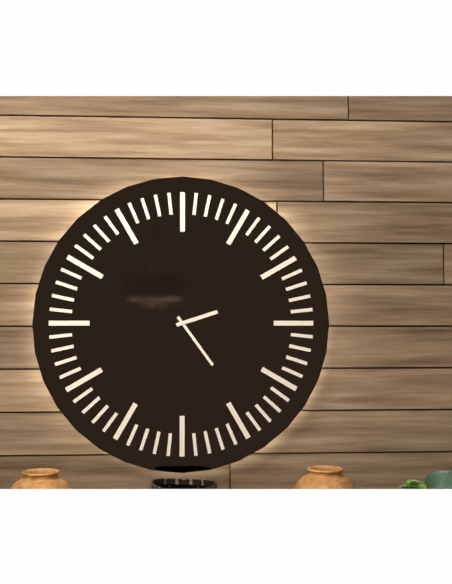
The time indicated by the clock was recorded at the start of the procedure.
2:24
